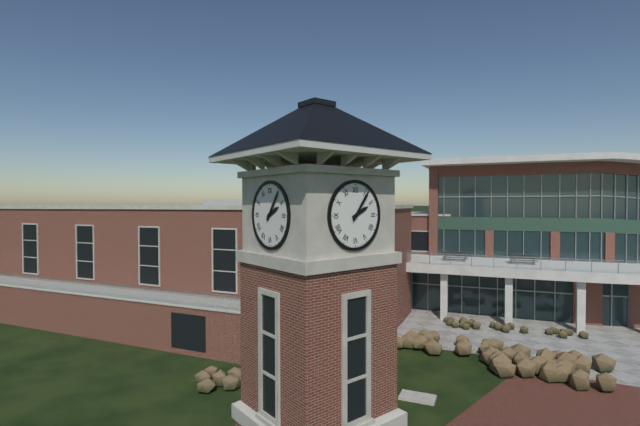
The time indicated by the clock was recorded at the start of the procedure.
2:06
